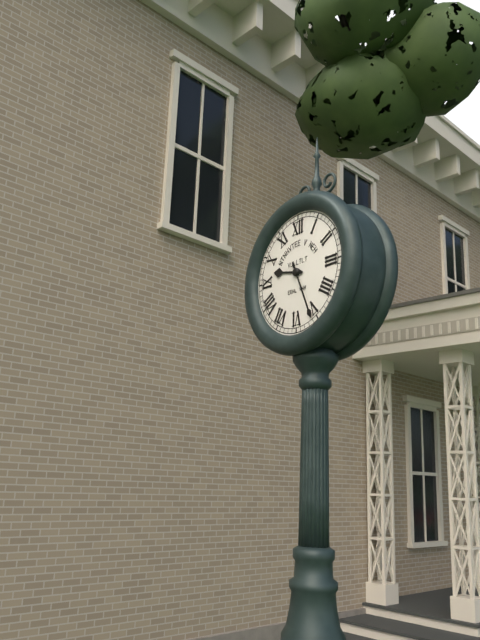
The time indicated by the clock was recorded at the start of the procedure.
9:26
